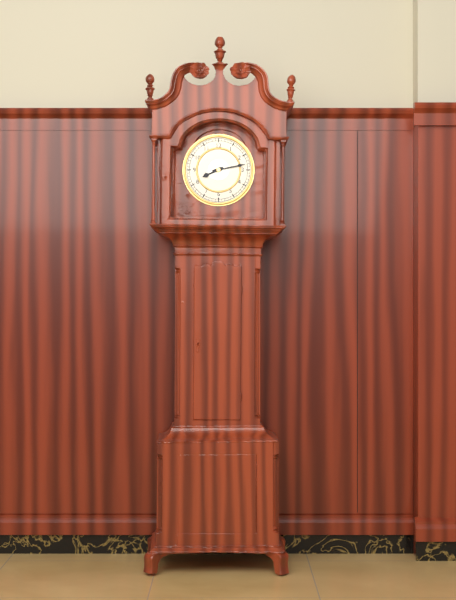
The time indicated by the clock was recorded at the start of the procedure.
8:13
